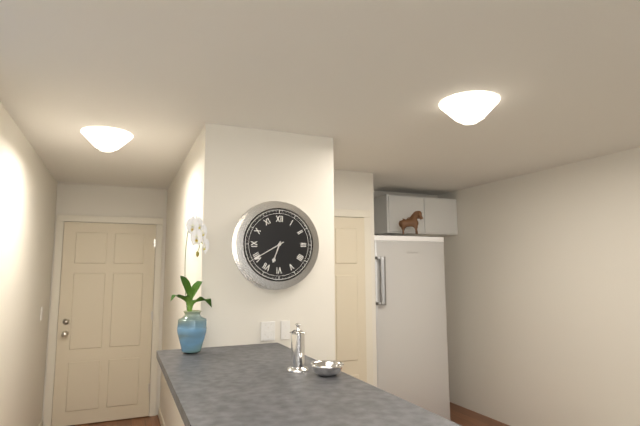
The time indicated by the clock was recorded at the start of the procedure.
6:40
